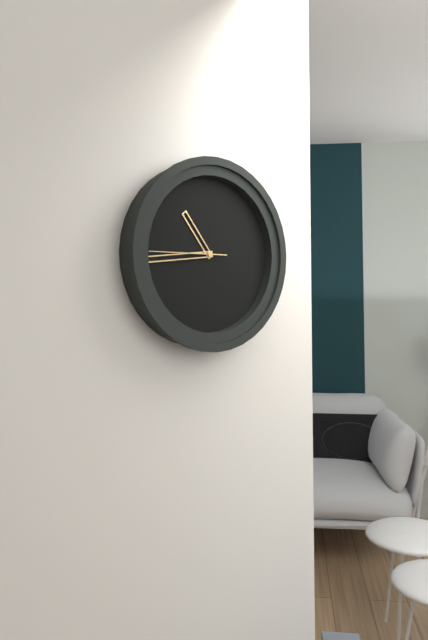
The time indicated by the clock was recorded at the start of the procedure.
10:44:45
